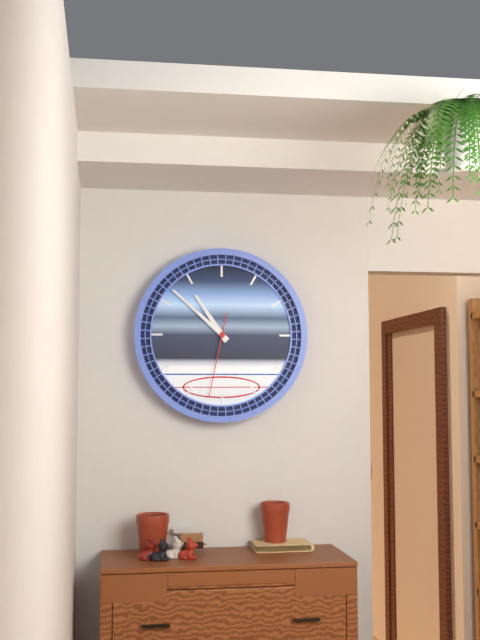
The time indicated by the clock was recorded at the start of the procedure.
10:52:32
